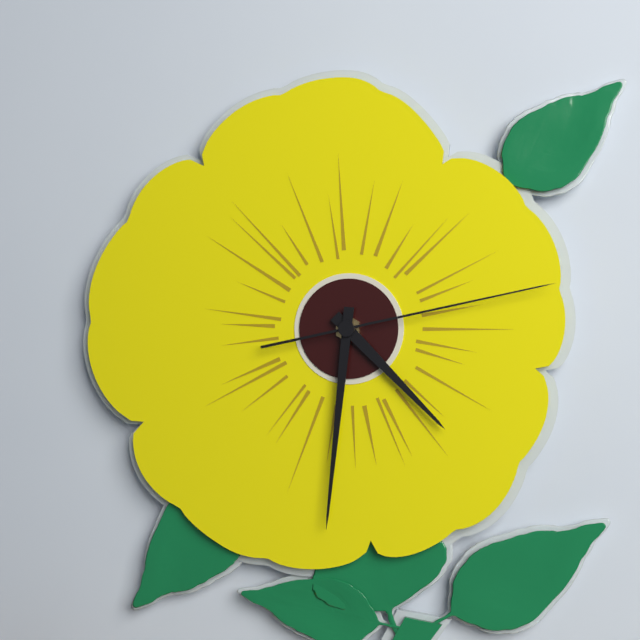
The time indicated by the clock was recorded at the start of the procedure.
4:31:13
